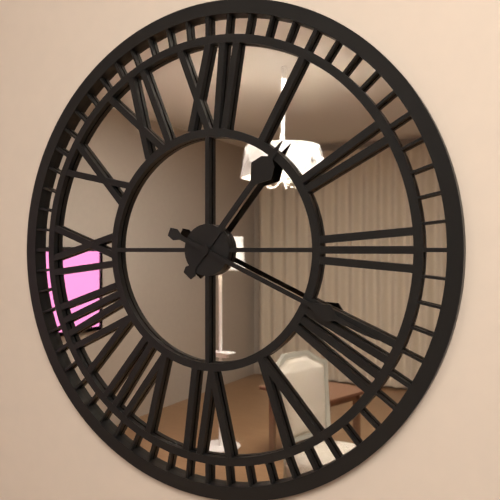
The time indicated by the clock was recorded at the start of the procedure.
1:19
